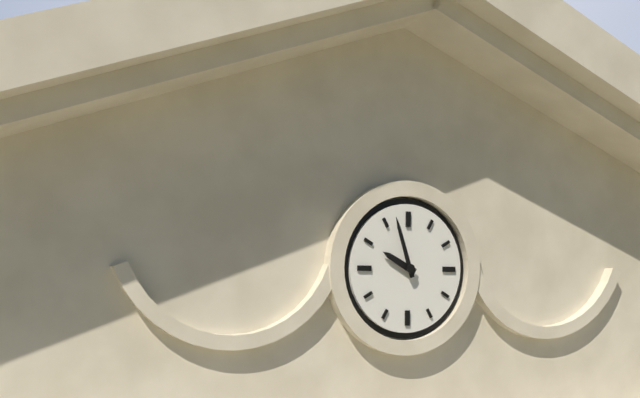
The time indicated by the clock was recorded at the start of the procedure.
9:57
